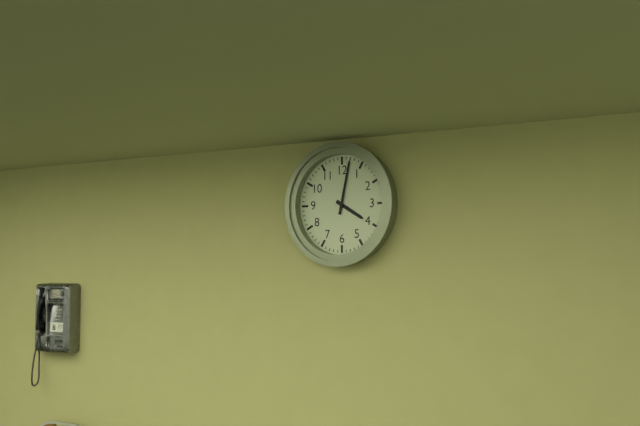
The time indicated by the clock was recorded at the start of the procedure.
4:02
